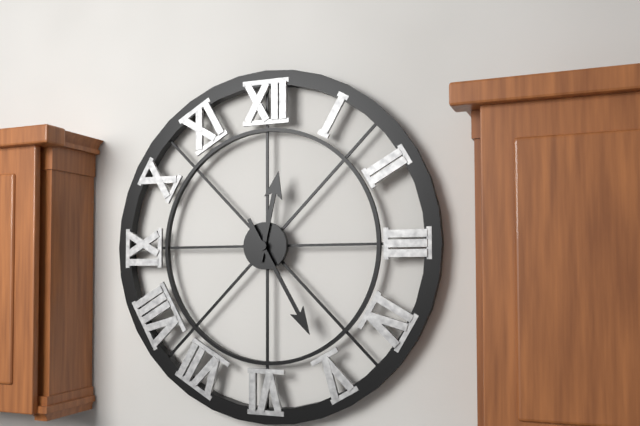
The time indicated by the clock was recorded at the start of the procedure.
12:25
